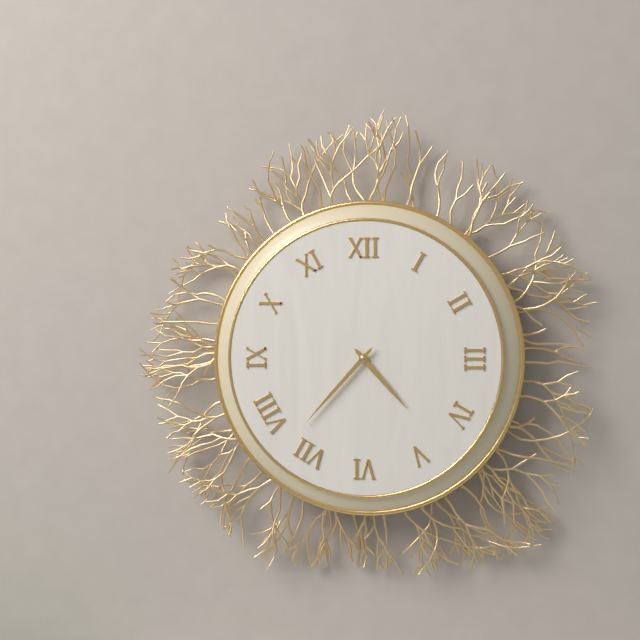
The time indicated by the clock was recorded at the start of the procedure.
4:37
